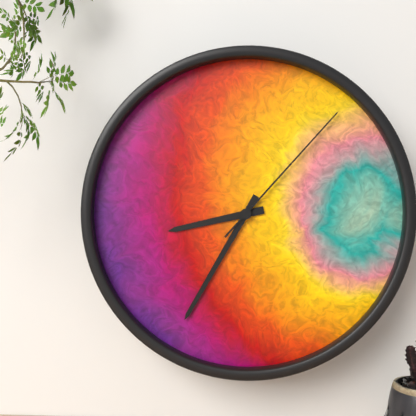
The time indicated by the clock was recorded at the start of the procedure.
8:35:07
